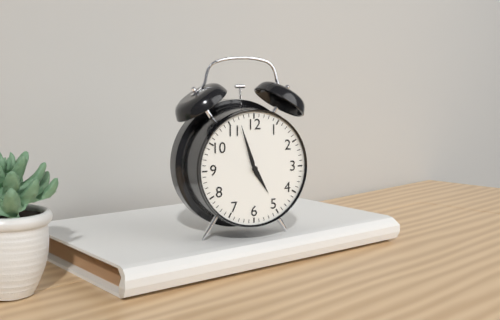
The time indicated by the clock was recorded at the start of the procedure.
4:57
